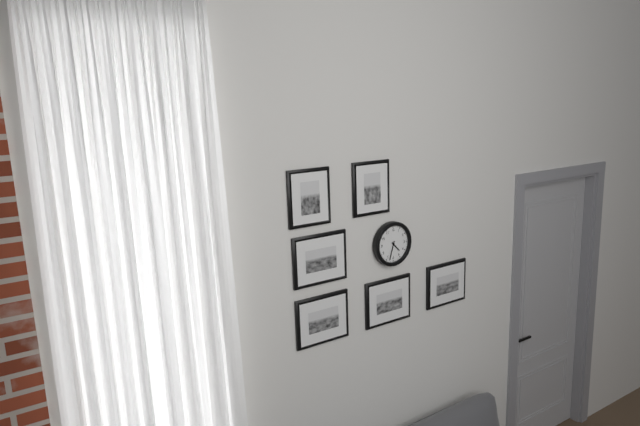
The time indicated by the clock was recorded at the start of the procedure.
4:33
